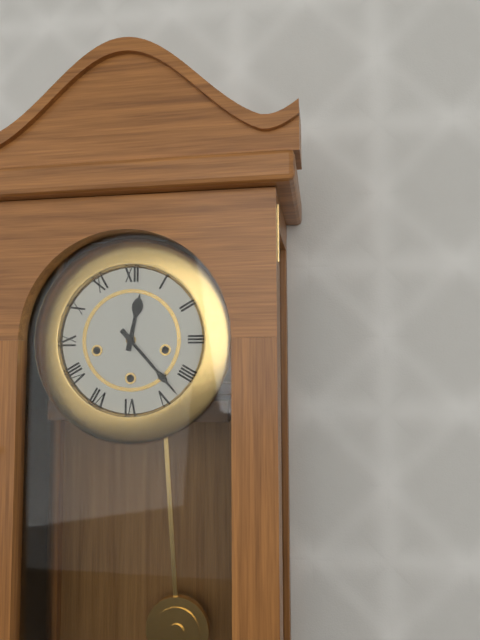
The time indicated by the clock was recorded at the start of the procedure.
12:23
